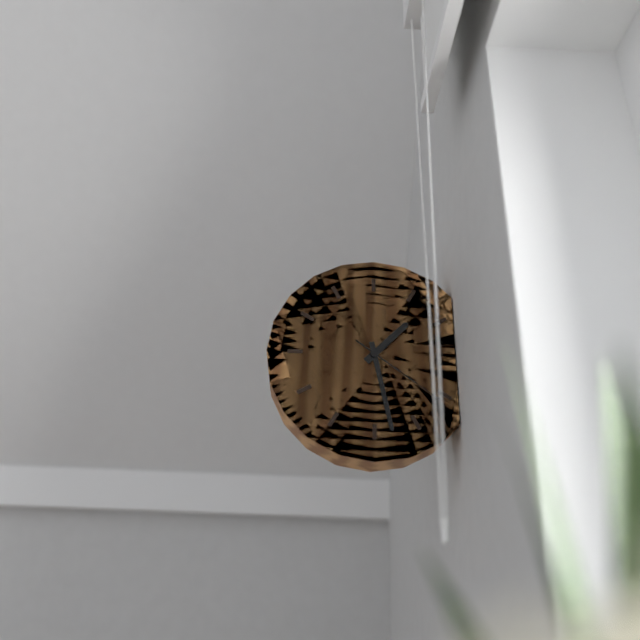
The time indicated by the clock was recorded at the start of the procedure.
1:28:21
